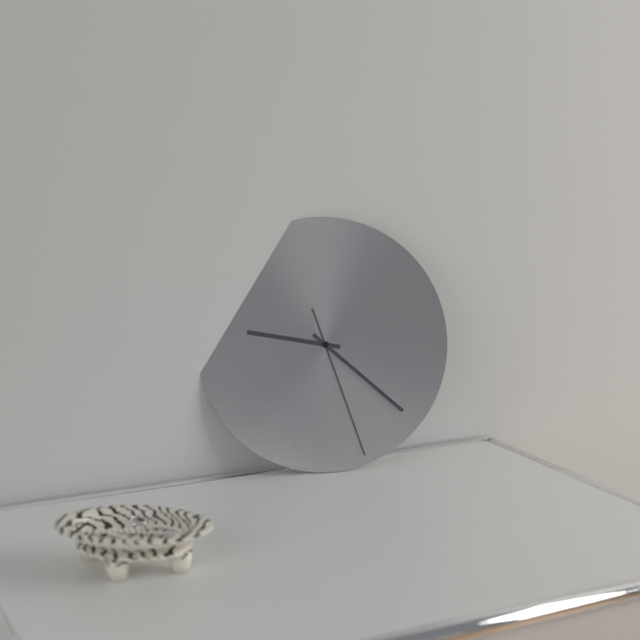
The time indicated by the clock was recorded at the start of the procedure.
9:22:27
